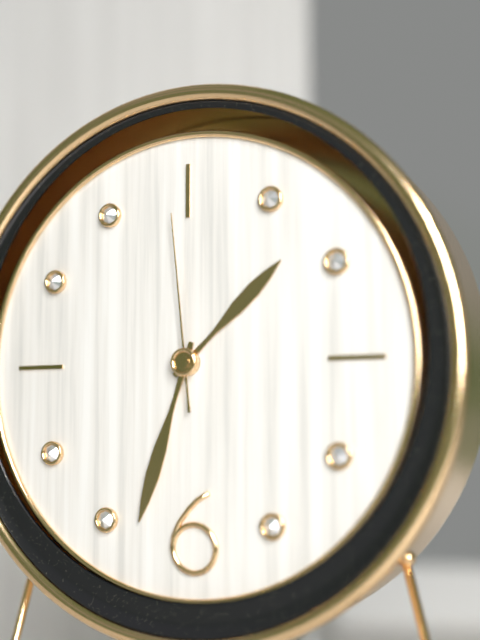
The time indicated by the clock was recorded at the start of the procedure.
1:33:59
